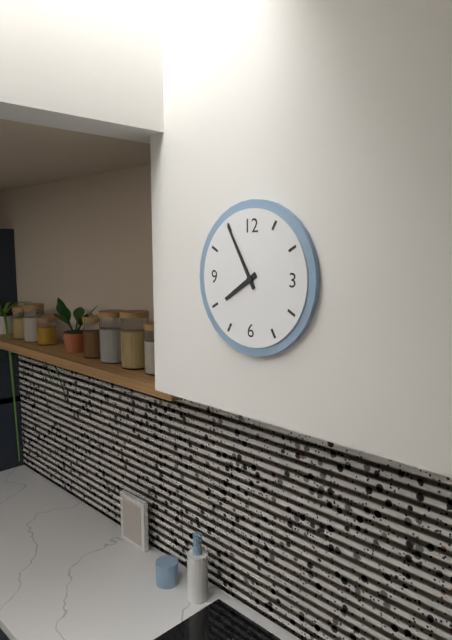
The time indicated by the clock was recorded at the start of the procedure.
7:55
